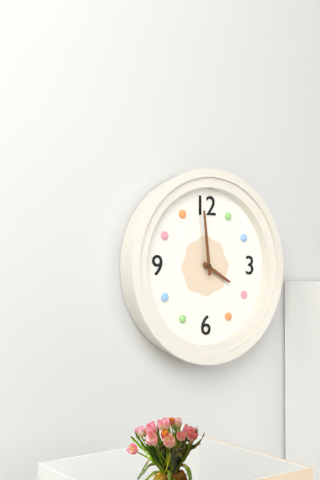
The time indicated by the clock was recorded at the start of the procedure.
3:59
